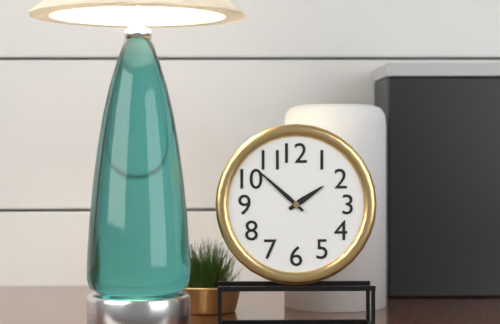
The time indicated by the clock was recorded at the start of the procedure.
1:52
